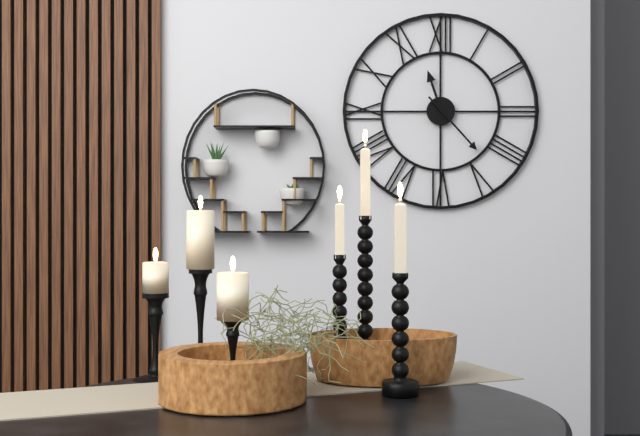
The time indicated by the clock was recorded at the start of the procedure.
11:23
